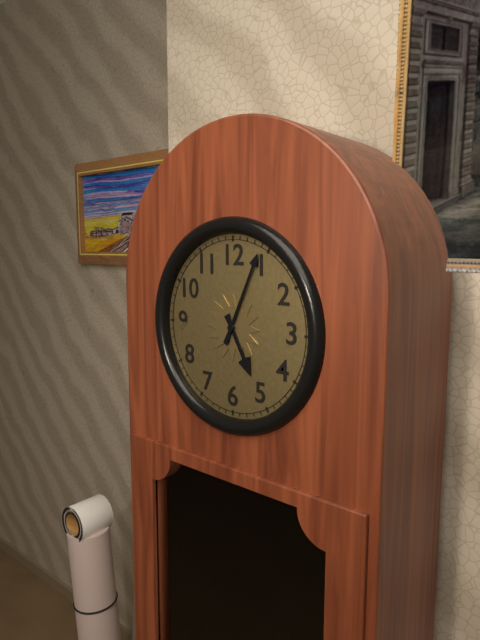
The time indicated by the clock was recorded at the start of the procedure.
5:04
